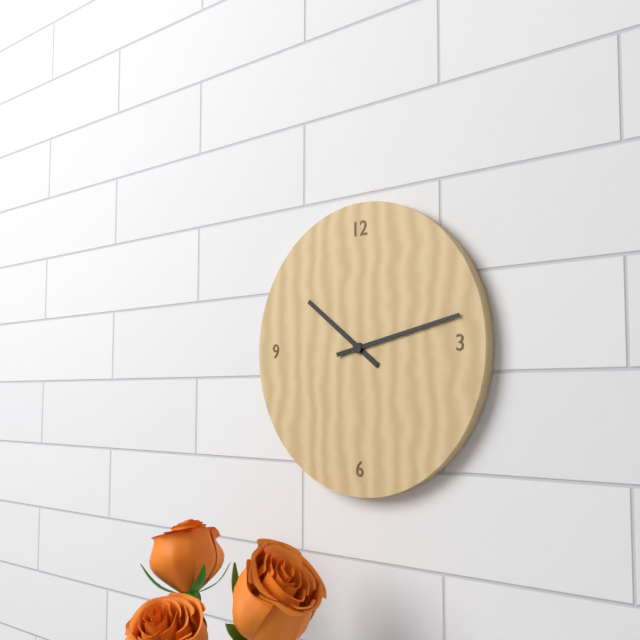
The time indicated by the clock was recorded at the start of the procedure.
10:13
